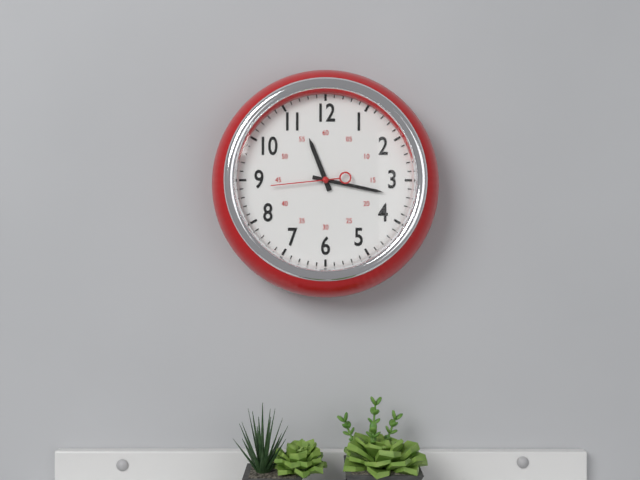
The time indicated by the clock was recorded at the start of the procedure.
11:17:44
